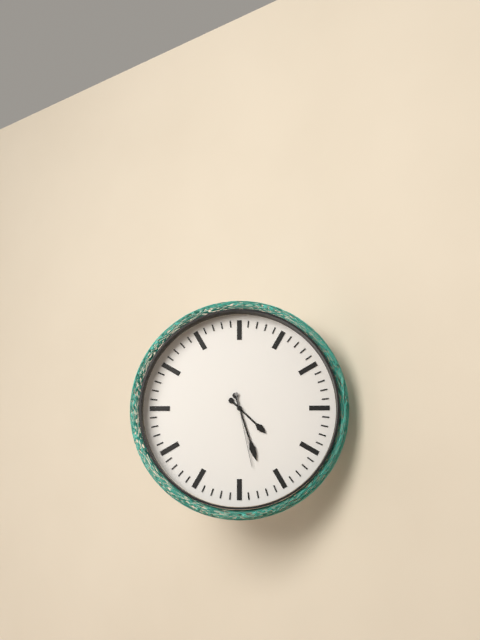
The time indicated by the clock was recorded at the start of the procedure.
4:27:28
